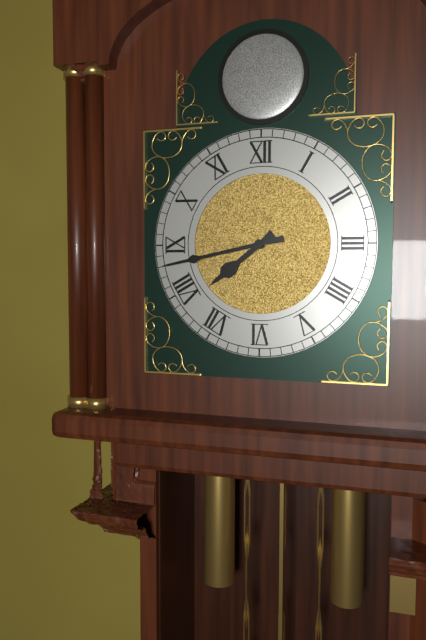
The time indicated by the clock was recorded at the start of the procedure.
7:43
